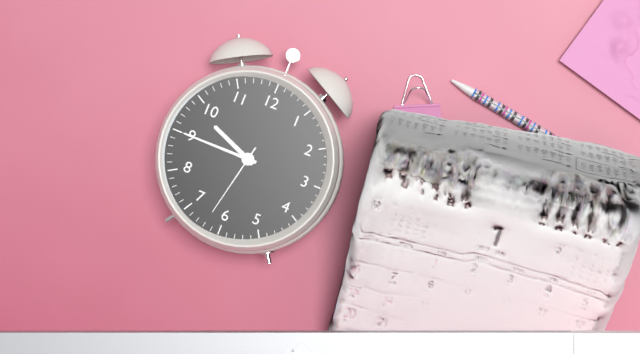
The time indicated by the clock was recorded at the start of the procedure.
9:45:32
